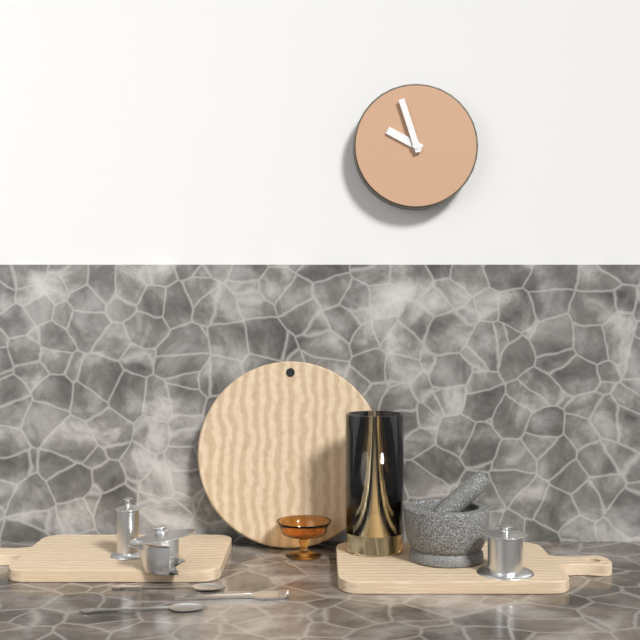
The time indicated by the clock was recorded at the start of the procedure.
9:57
